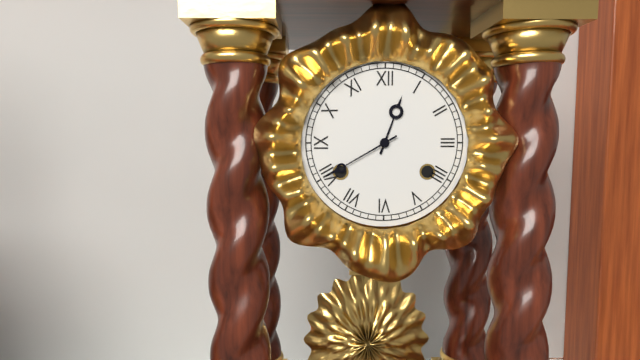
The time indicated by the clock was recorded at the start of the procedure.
12:40
